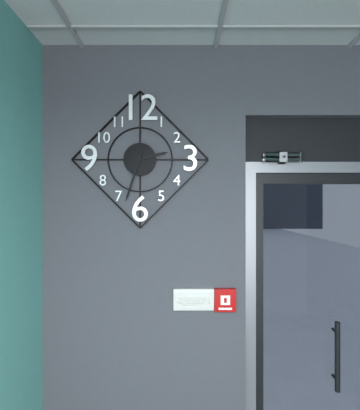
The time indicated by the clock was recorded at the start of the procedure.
2:33
